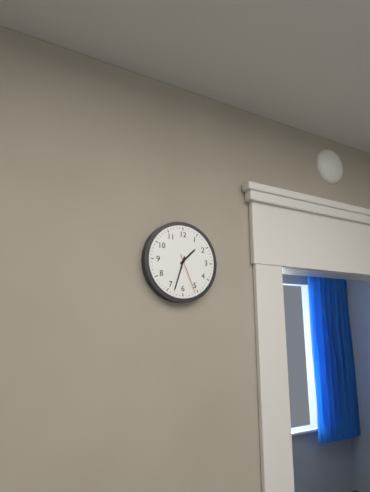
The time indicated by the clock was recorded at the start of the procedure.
1:33
